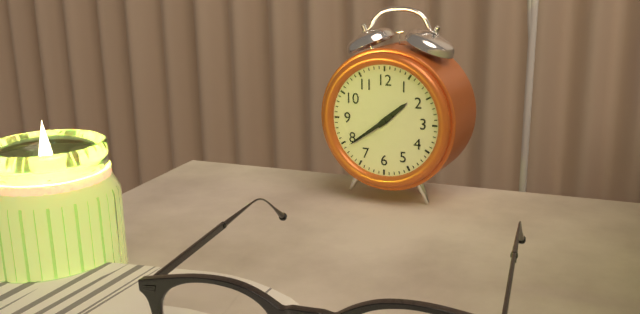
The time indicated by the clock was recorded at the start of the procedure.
1:39
